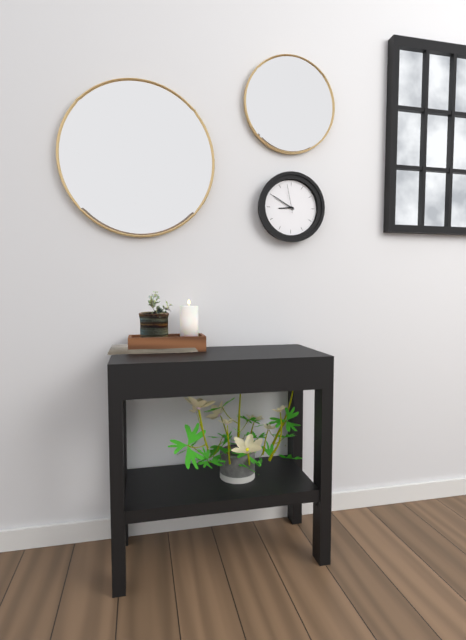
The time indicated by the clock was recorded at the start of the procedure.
8:50
